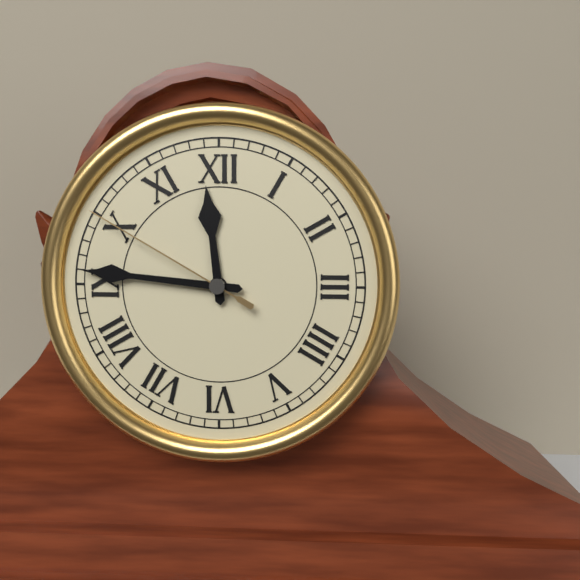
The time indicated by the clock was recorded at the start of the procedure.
11:46:50
